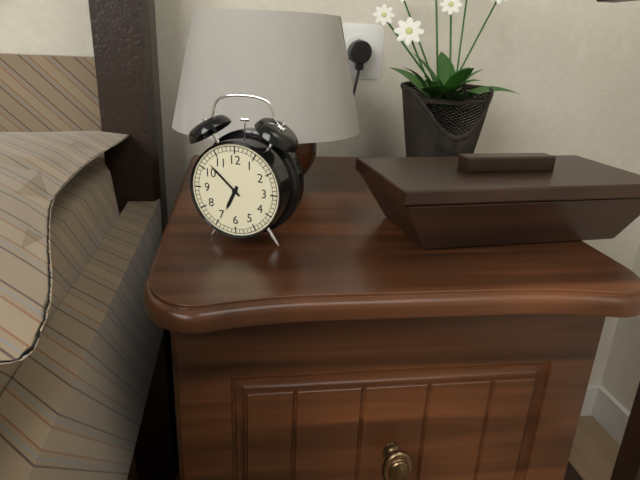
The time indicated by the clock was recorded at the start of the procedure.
6:52
